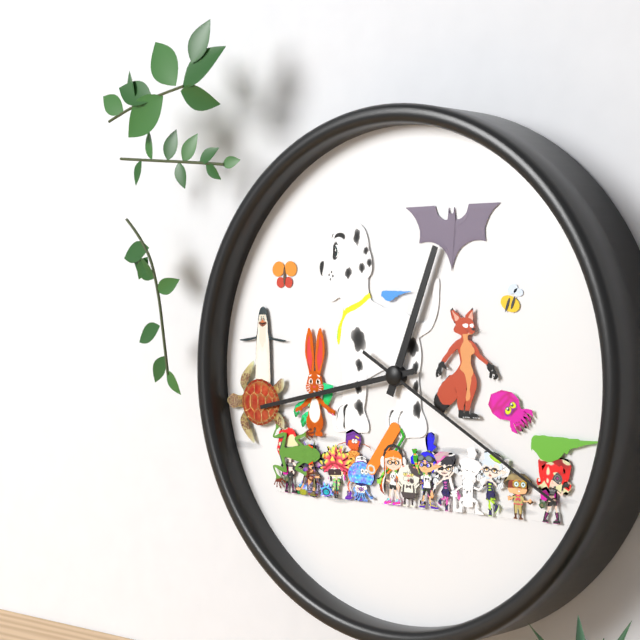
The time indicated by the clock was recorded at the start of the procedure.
12:43:20
